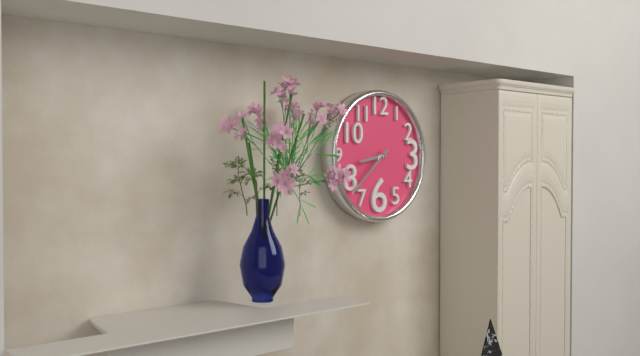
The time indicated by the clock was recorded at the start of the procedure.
8:38
